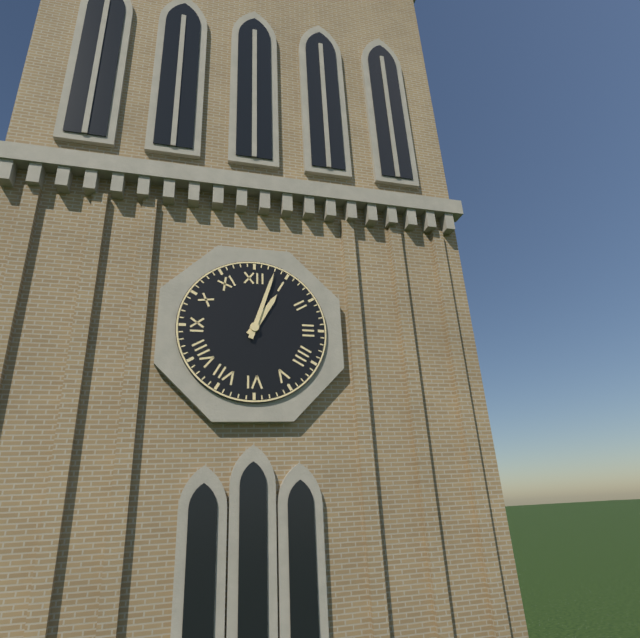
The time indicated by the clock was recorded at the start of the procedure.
1:03
